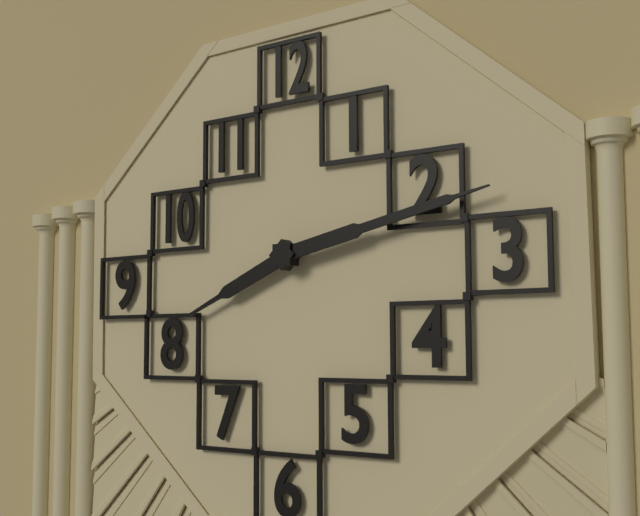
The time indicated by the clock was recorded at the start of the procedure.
8:13
